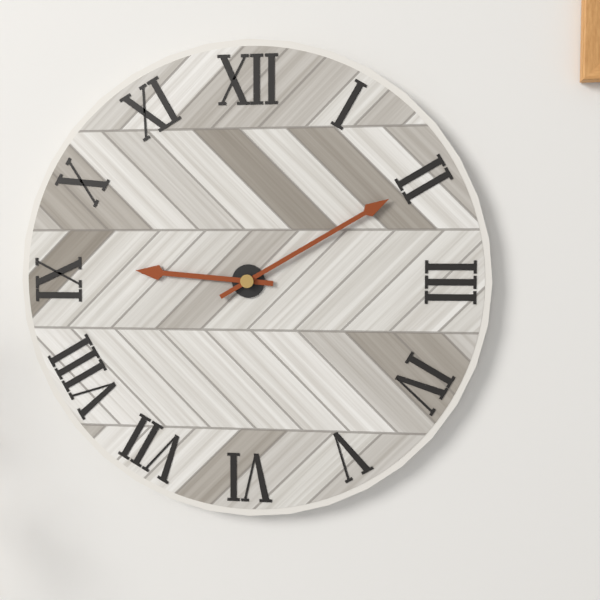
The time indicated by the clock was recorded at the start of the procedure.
9:10
